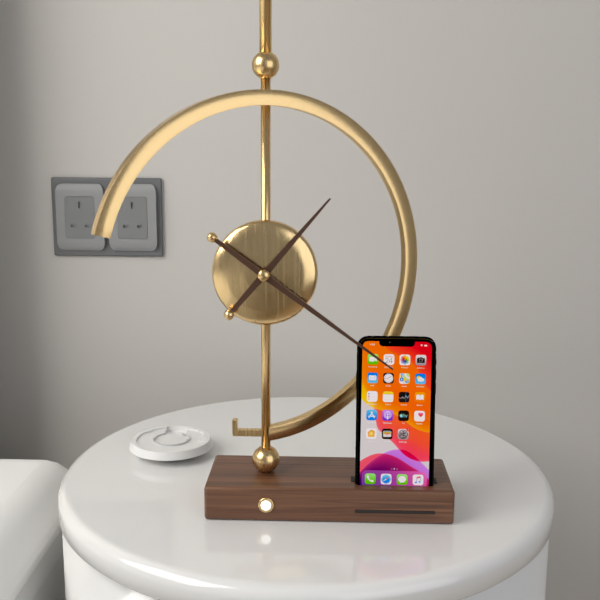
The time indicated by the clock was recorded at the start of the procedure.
1:21
